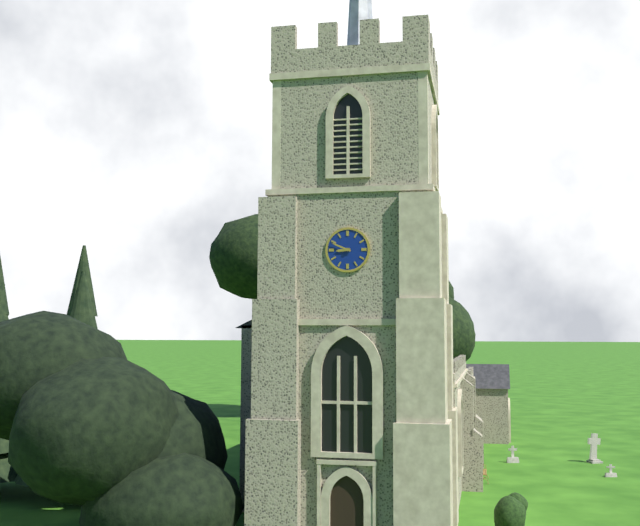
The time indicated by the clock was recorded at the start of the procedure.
8:49
